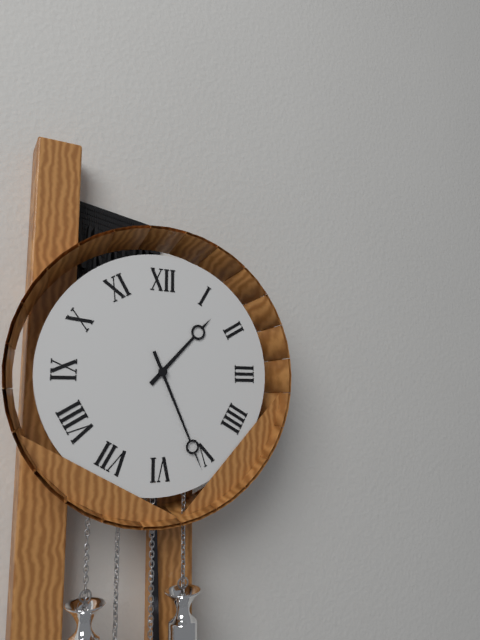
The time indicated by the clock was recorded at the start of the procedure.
1:26
